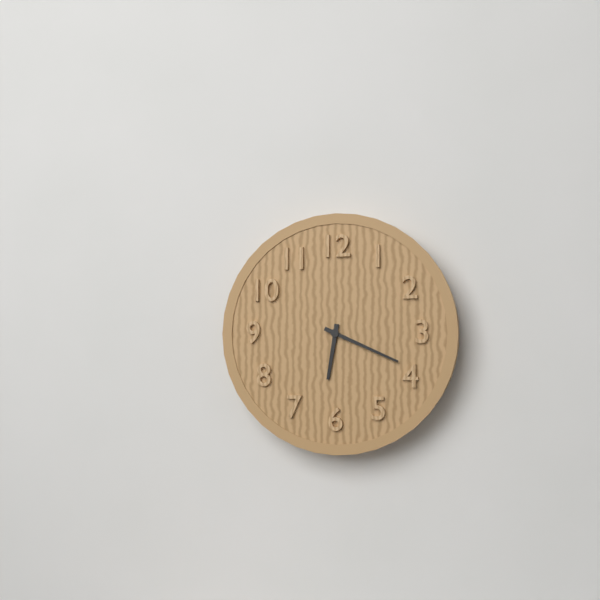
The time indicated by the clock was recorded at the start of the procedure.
6:19
